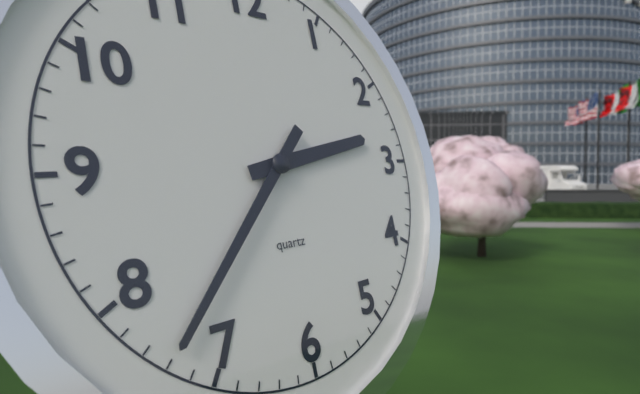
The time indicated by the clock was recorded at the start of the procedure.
2:37
